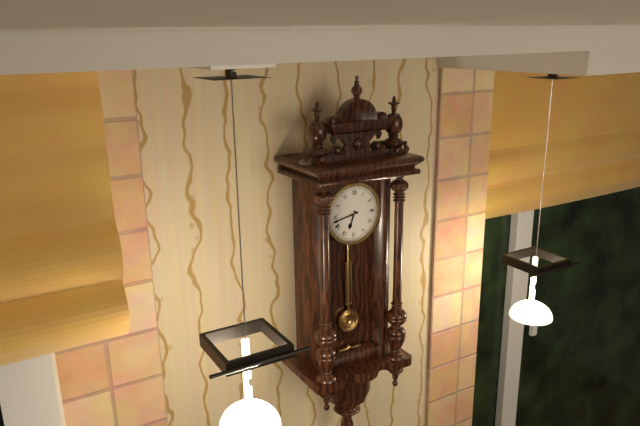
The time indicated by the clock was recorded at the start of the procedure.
6:43
